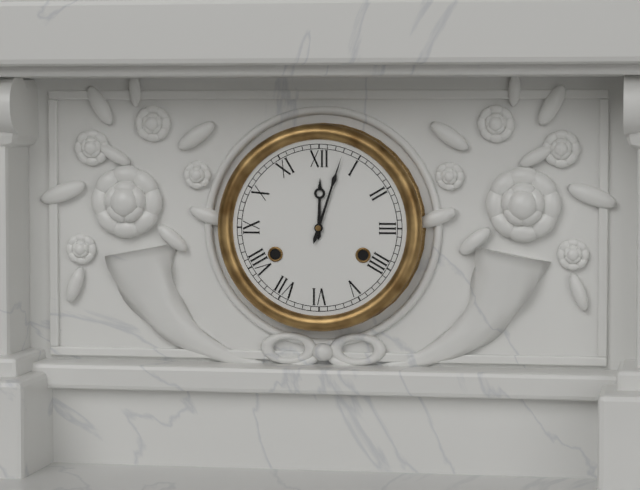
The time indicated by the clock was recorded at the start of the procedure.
12:03
